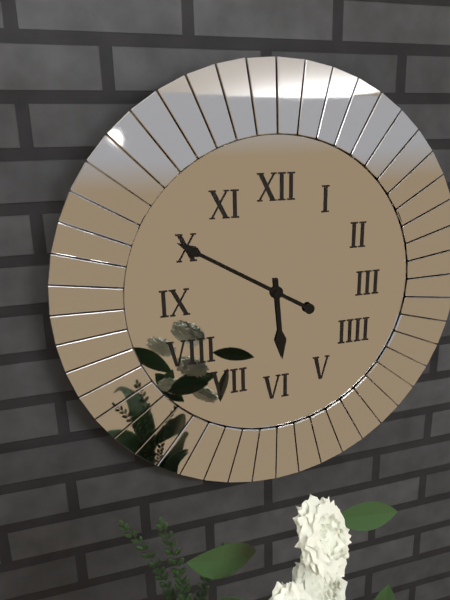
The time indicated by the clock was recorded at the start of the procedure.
5:50
